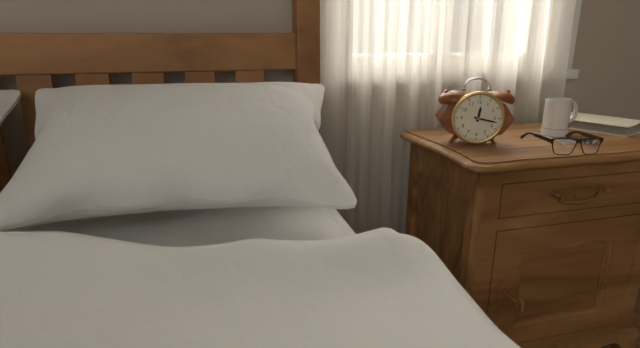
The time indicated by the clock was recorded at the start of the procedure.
12:17
